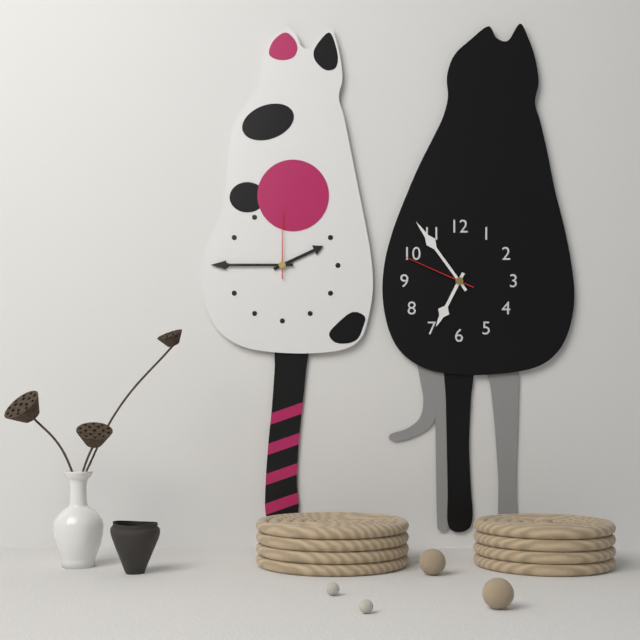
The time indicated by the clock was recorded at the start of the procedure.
6:54:49
